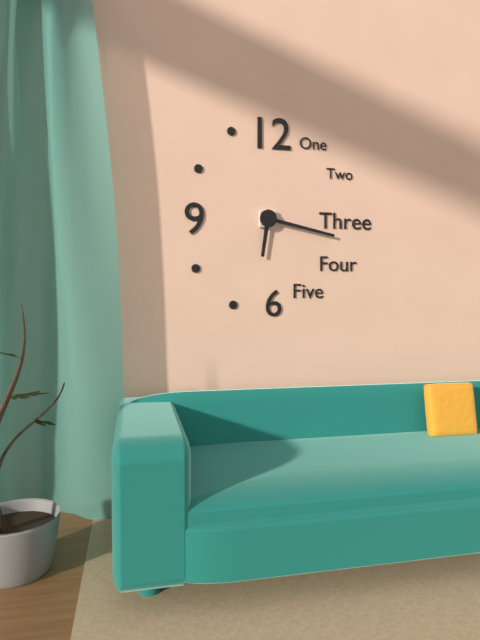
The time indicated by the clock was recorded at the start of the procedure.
6:17
